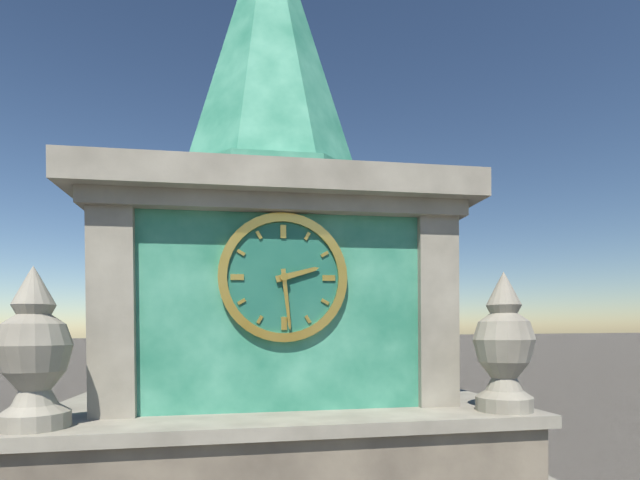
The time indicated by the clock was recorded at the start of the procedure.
2:29
